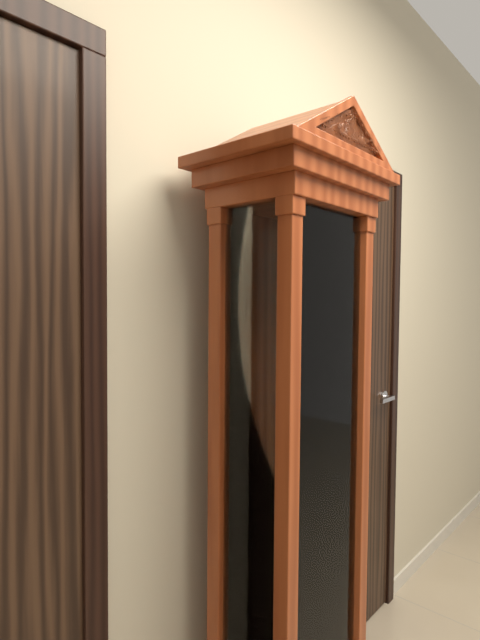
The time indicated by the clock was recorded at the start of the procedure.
5:59
